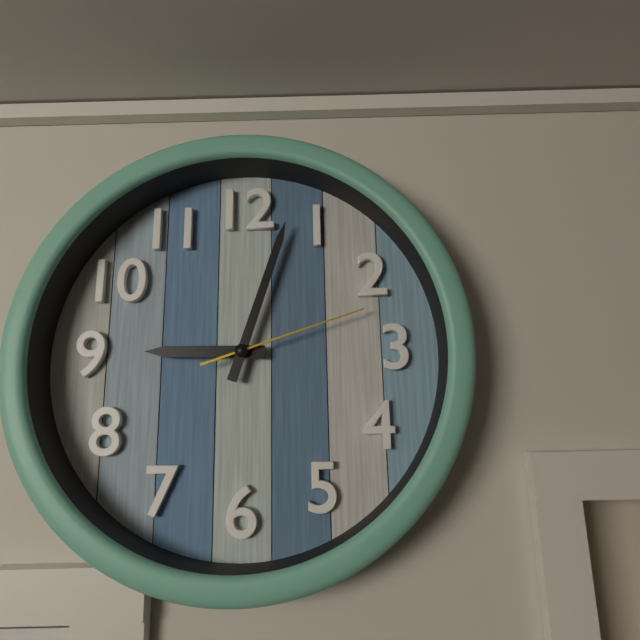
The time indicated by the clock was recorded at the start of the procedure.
9:03:12
